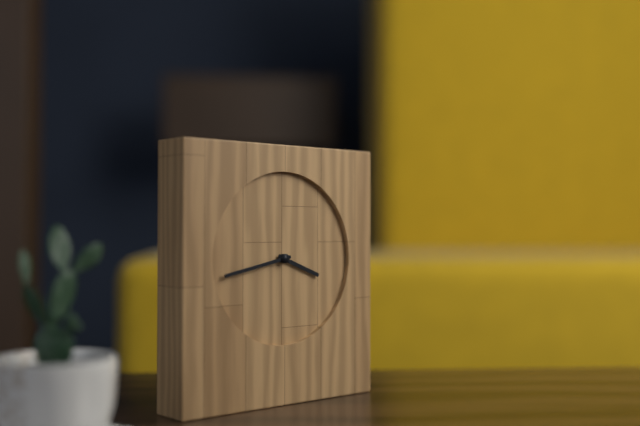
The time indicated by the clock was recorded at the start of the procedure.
3:43
